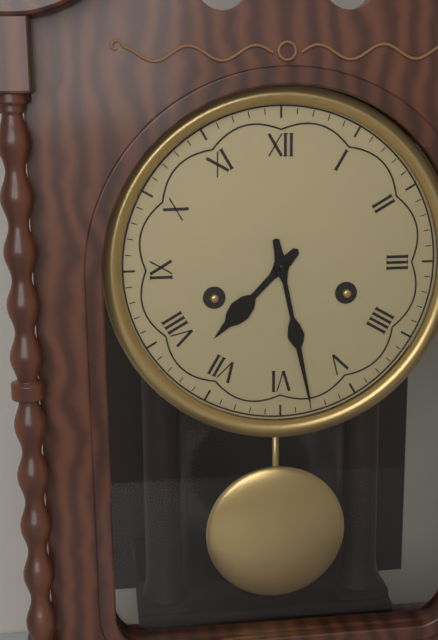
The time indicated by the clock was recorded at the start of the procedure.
7:28
